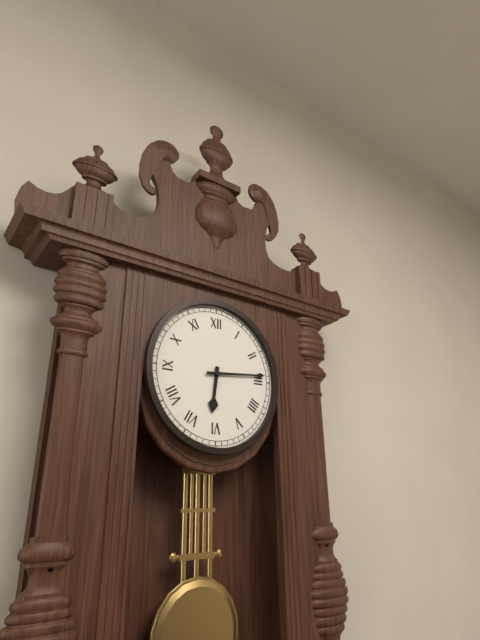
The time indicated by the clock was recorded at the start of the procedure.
6:14
